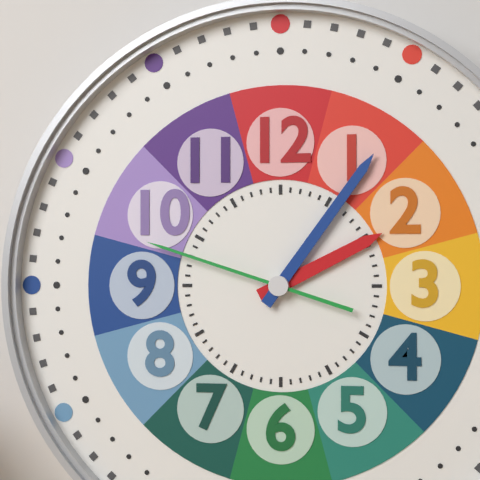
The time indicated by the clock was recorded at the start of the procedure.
2:06:48
